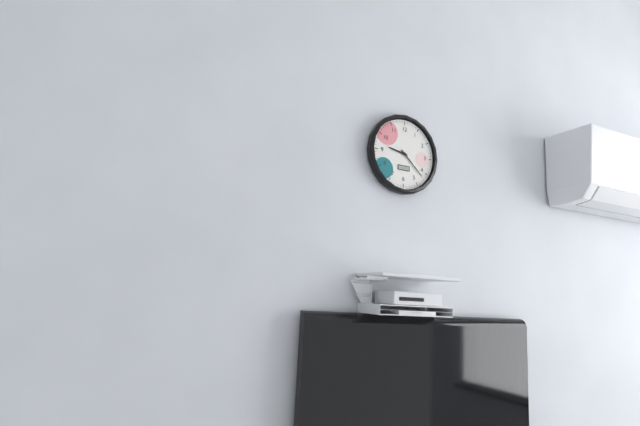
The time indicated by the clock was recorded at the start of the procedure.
9:22
